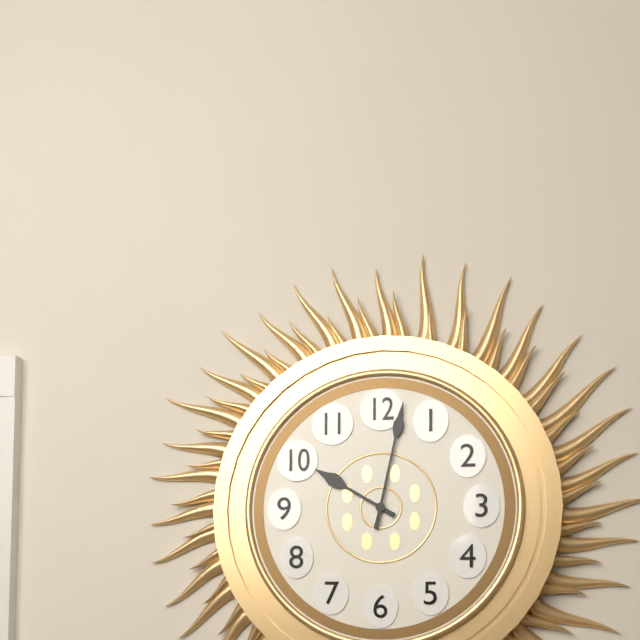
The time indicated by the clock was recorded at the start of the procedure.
10:02
